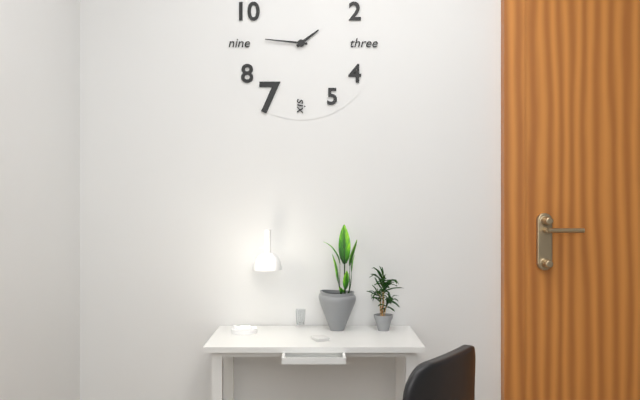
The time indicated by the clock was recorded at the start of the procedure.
1:46
